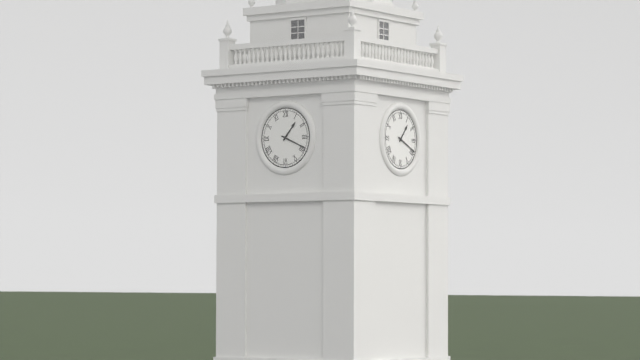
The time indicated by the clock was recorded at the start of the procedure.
1:19
